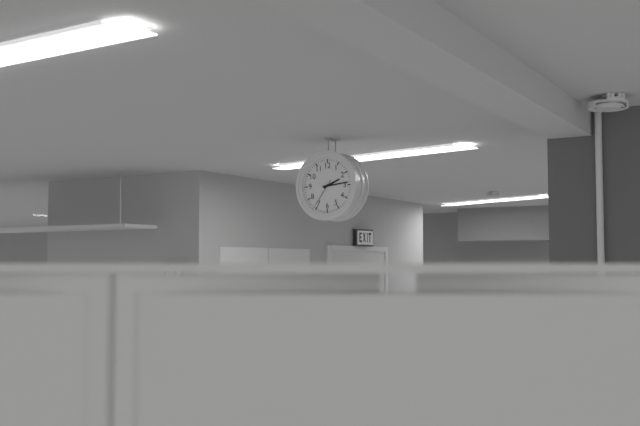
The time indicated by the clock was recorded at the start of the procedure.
2:14
